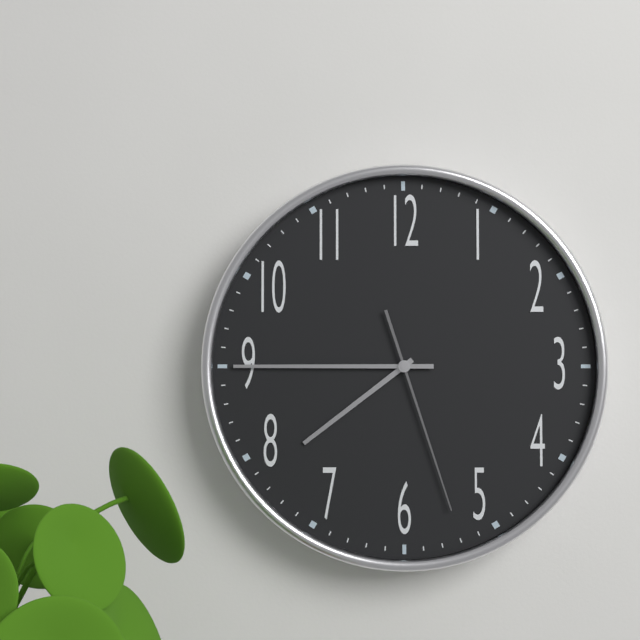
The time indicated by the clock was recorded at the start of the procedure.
7:45:27
